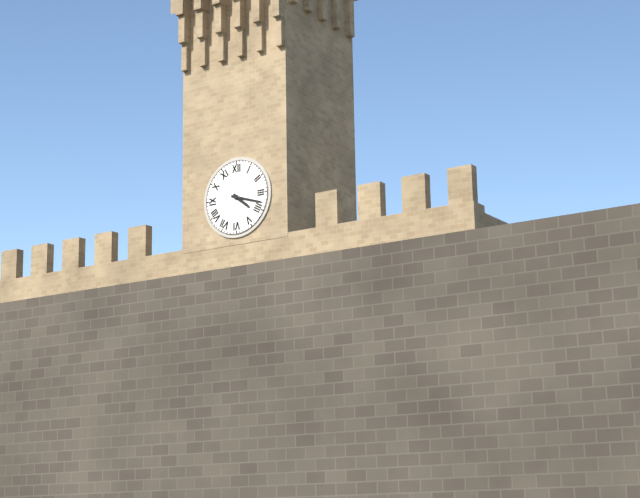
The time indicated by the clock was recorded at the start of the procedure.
4:18
